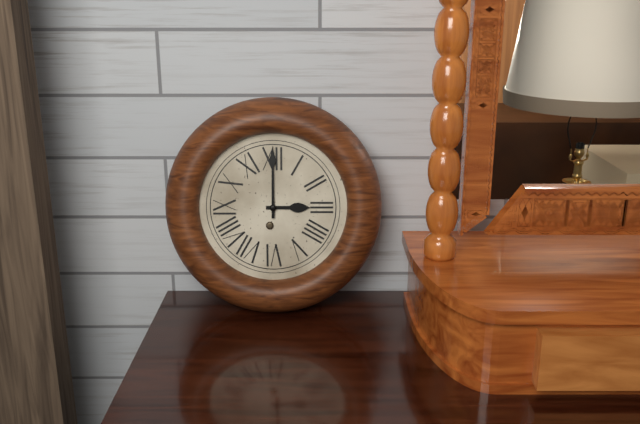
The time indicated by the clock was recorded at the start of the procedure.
3:00
